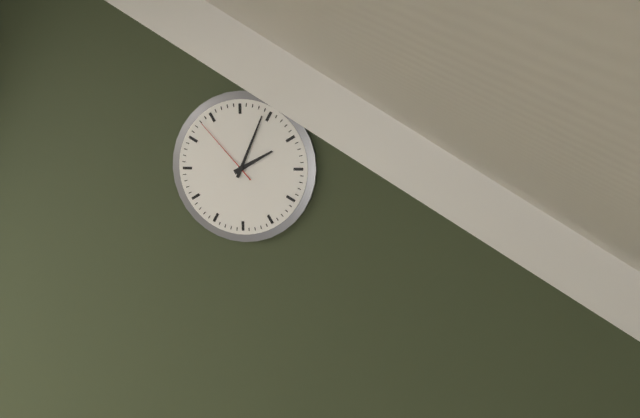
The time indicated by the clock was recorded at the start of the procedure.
2:04:53
